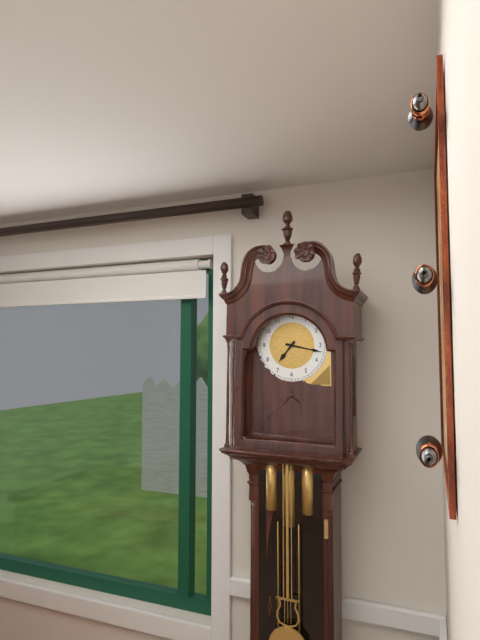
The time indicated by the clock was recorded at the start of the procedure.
7:17
